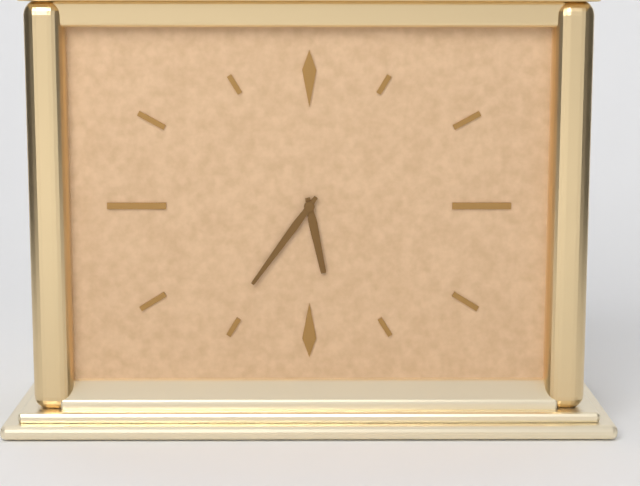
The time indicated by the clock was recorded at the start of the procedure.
5:36
